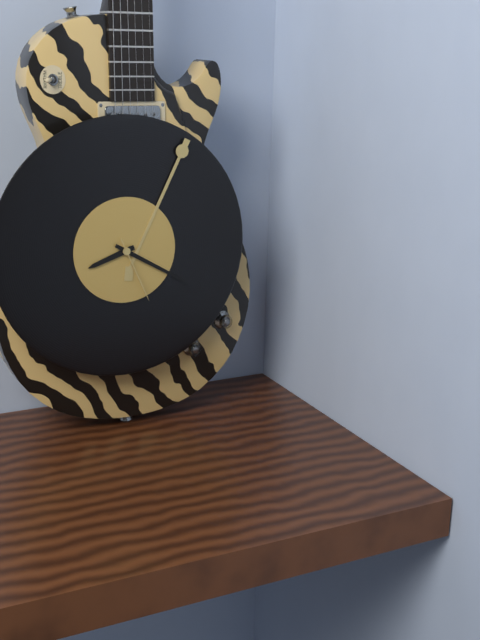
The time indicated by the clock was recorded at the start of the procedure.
8:20:26
